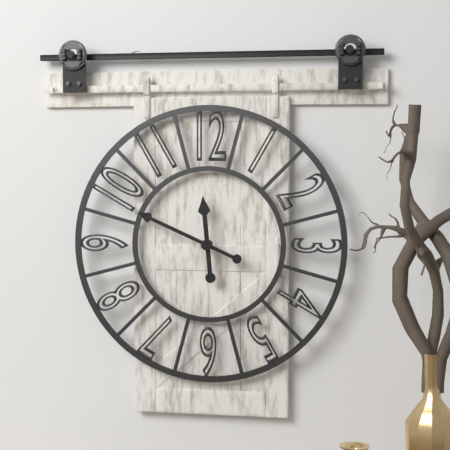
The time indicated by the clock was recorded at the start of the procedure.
11:49
